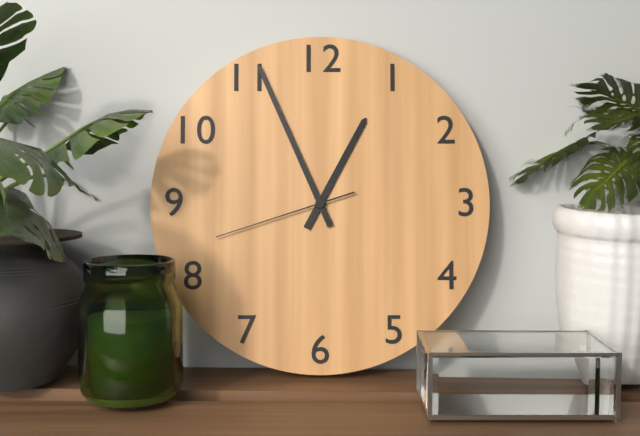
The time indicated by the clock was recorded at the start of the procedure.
12:56:42
